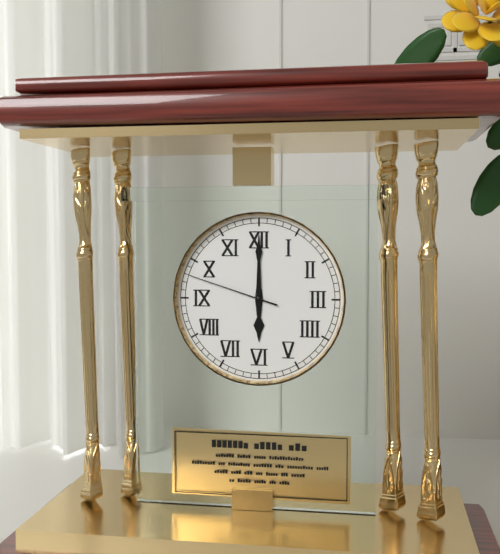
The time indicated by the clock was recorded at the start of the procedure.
6:00:48
